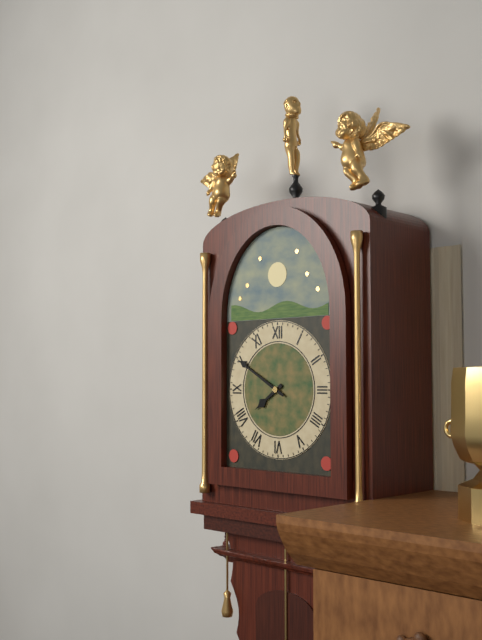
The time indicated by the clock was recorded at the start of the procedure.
7:50
